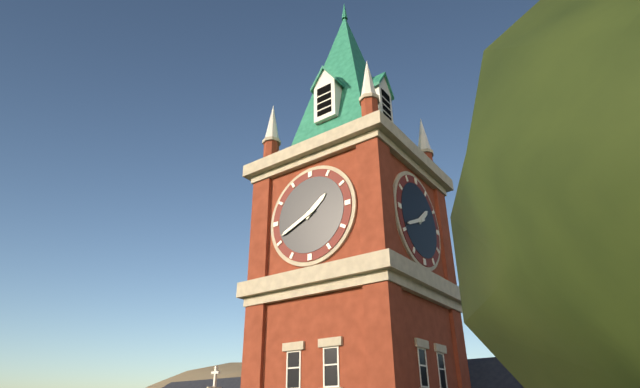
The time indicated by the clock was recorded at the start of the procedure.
1:41
